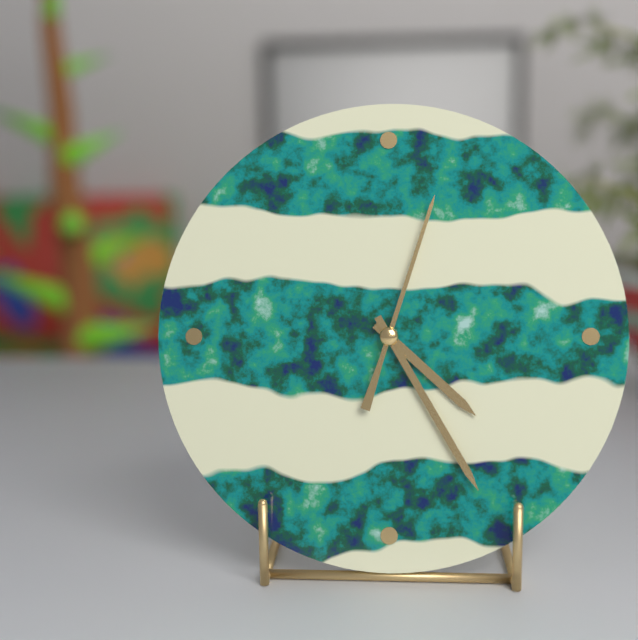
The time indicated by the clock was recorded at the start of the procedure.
4:25:03
